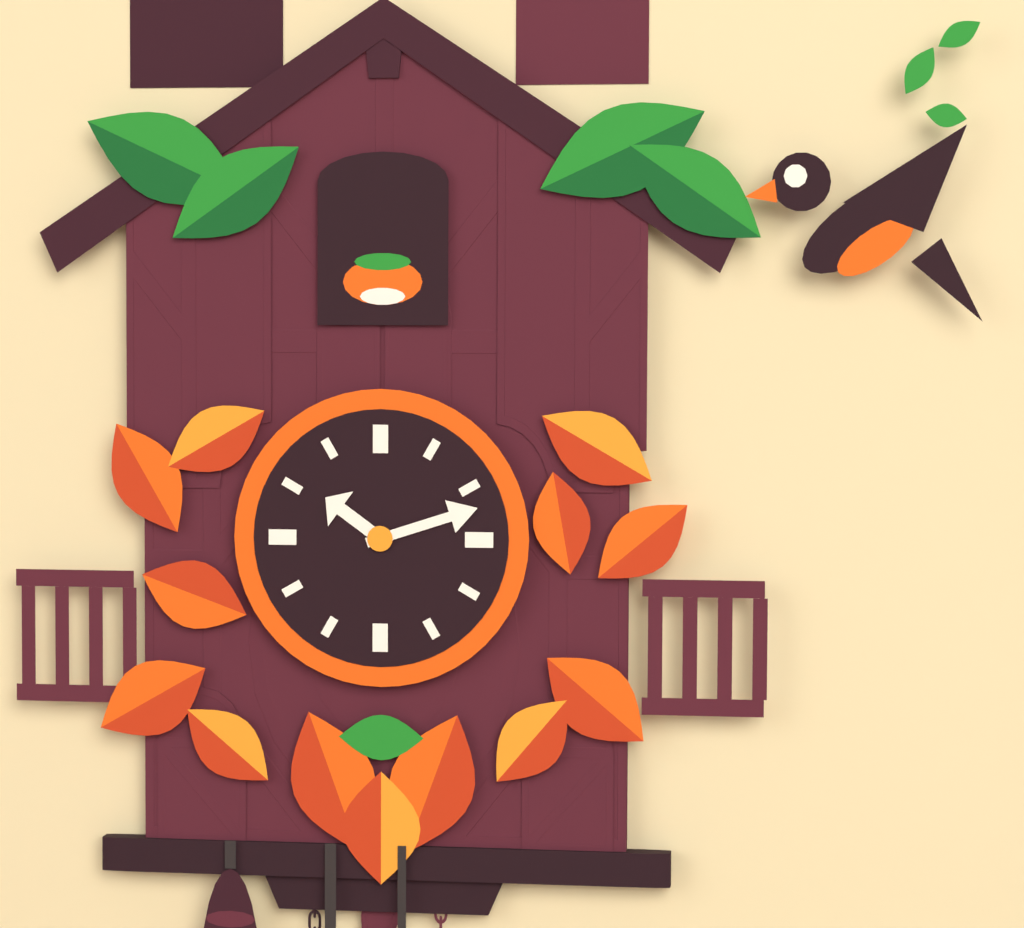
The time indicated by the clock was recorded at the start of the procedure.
10:12
